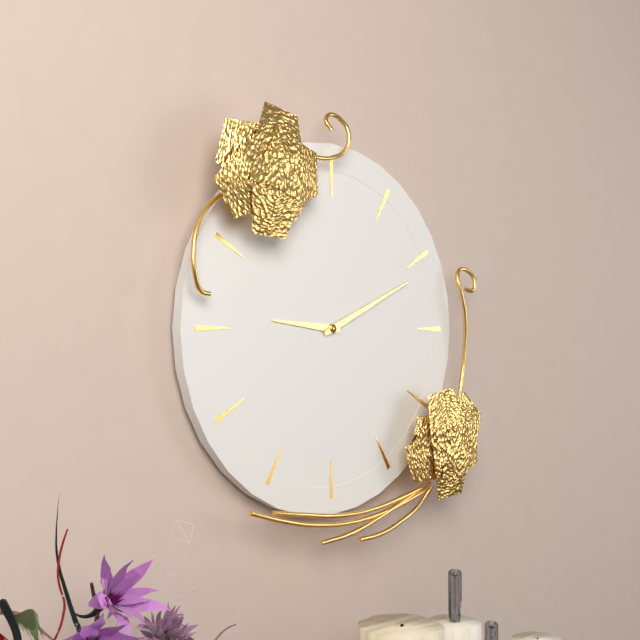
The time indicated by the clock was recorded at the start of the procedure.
9:11
